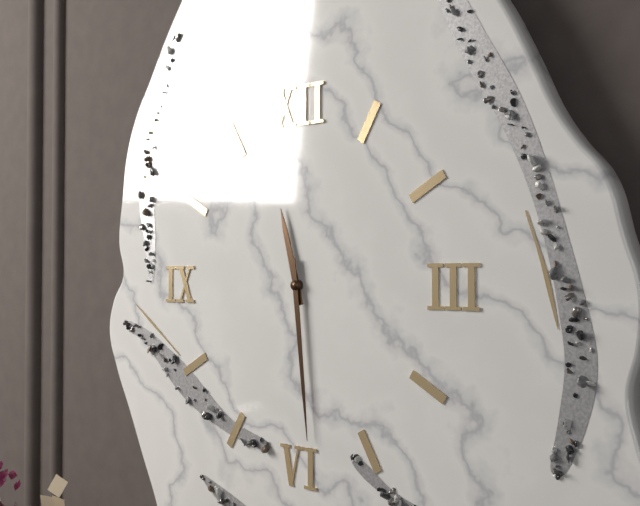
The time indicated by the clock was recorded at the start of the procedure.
11:29
